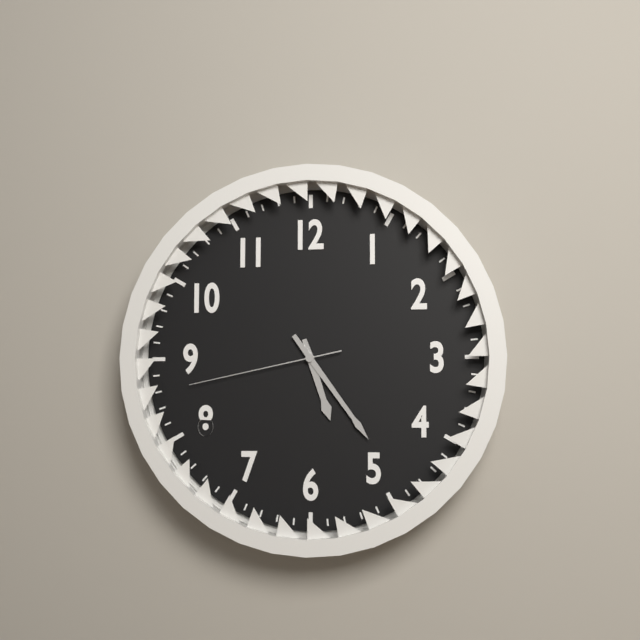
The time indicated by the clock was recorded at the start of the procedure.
5:24:43
